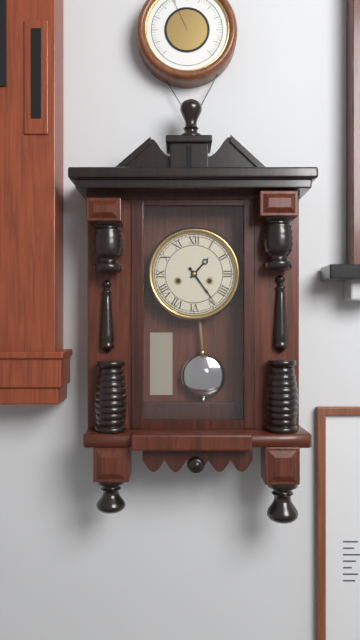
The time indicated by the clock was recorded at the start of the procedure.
1:24
